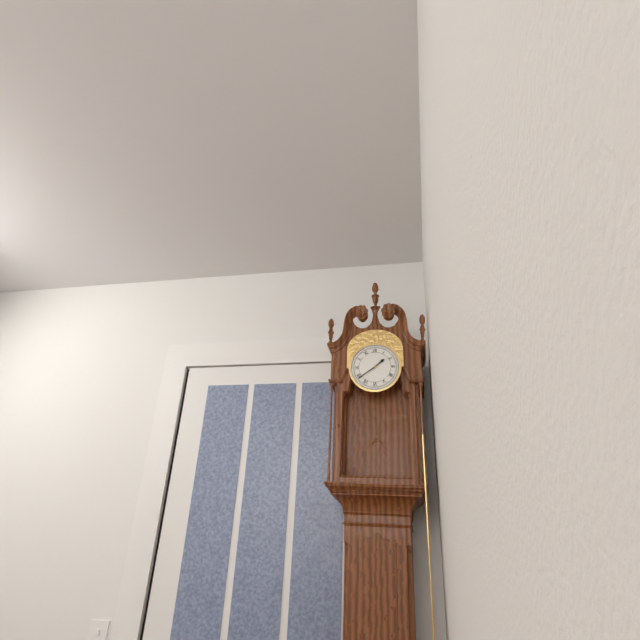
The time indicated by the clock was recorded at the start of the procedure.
1:39
